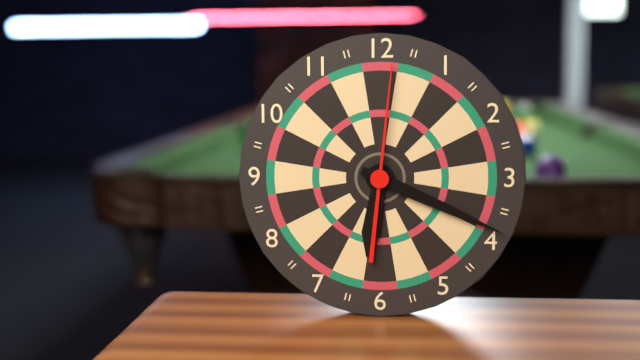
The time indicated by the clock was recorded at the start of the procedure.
6:19:01
